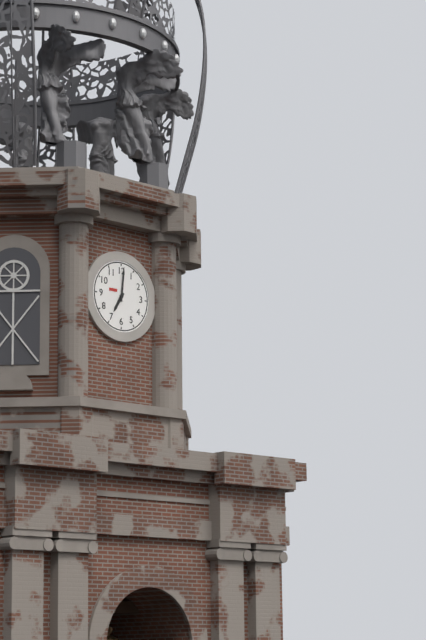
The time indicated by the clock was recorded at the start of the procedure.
7:01
